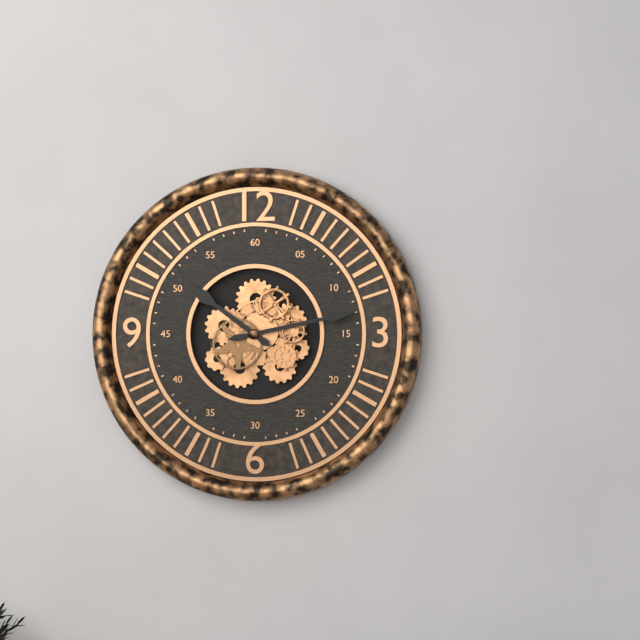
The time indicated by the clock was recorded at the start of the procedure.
10:13
